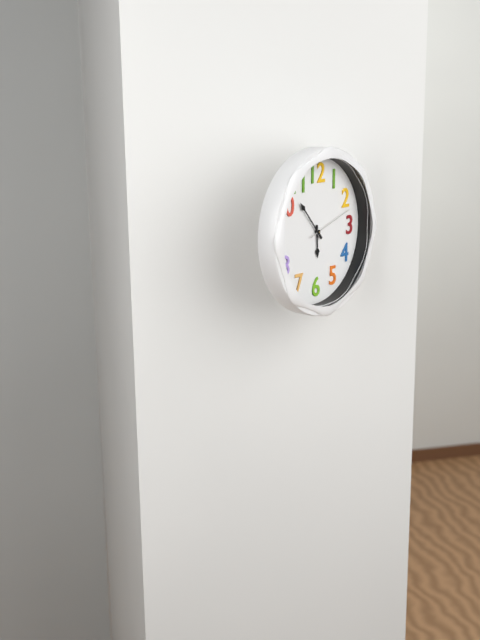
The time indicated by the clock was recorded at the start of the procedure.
5:53
